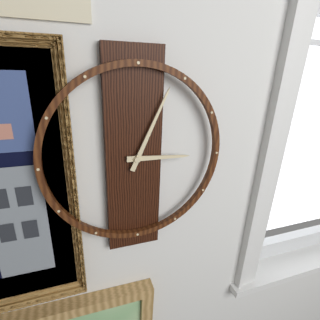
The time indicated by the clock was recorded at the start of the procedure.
3:04
